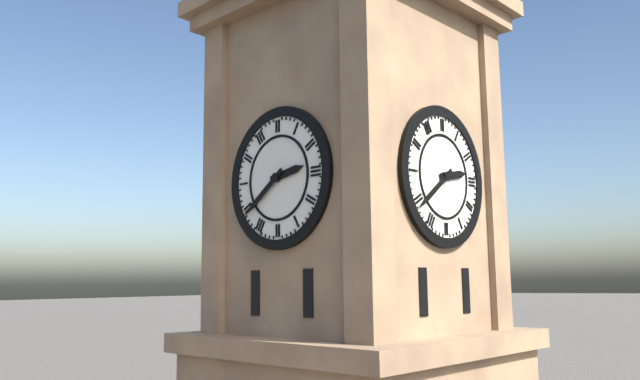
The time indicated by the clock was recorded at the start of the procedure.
2:39
